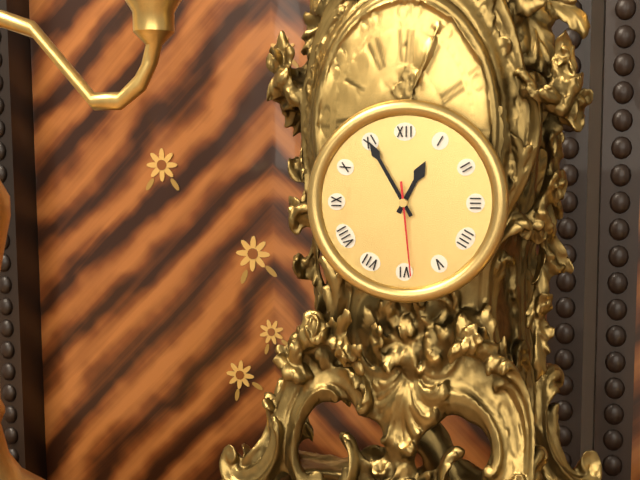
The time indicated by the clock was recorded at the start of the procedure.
12:55:29
